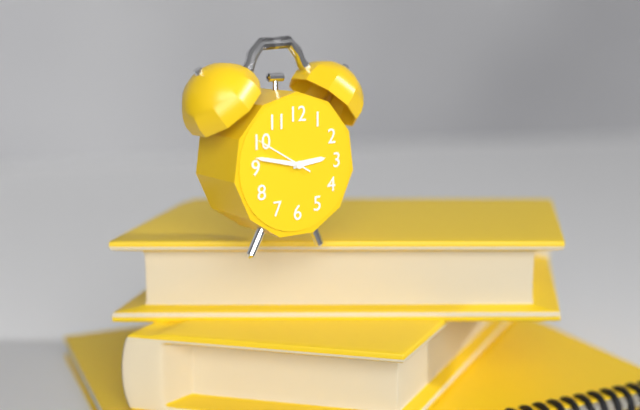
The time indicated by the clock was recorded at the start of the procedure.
2:47:50
